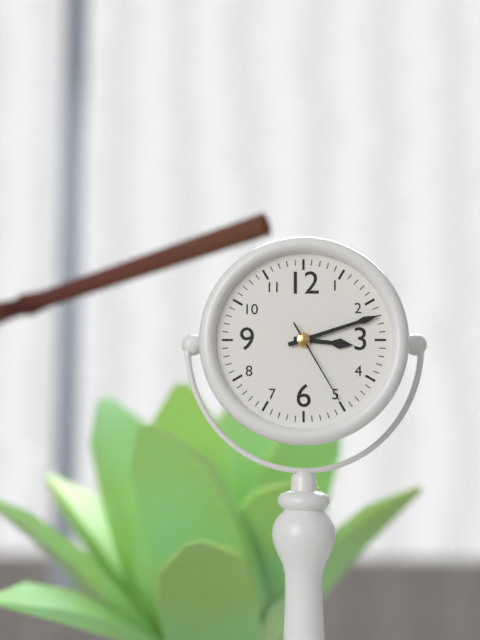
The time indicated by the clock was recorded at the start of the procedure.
3:12:25
